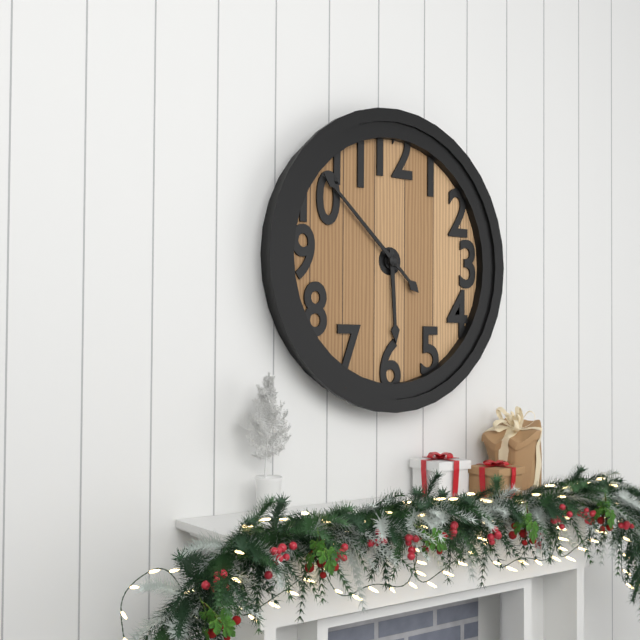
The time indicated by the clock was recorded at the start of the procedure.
5:52
